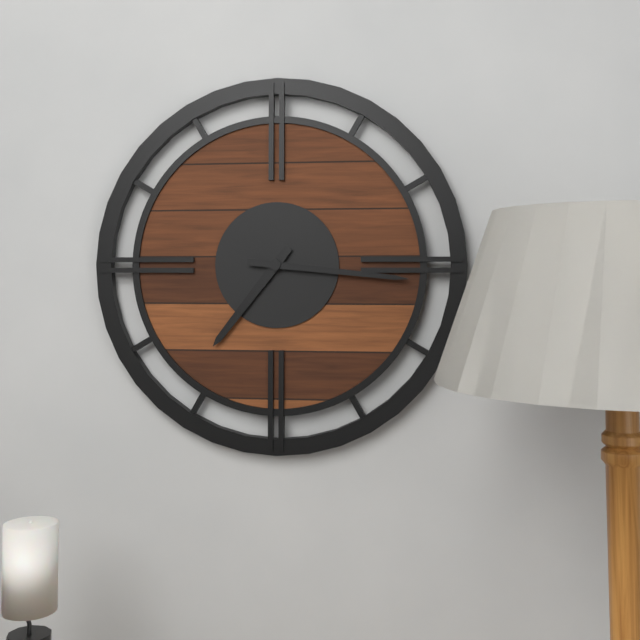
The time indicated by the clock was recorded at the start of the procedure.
7:16
